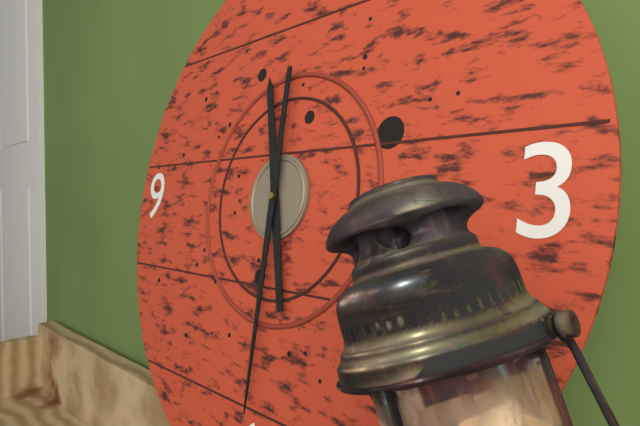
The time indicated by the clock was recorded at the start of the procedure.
11:30
